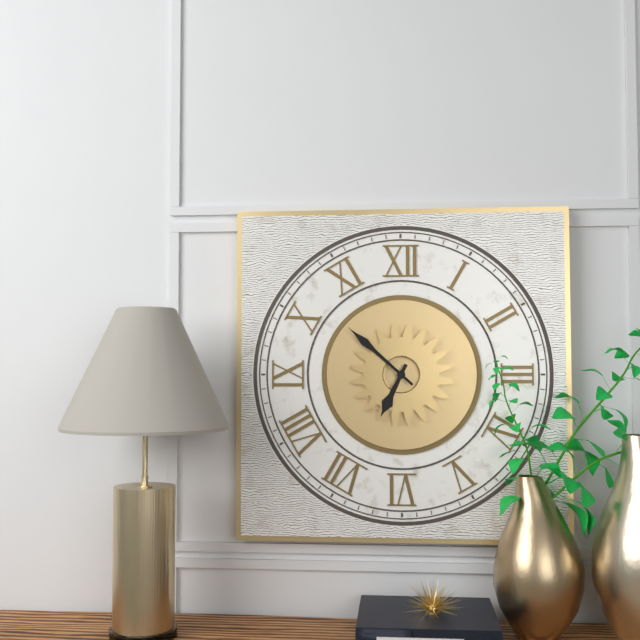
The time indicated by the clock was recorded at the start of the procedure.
6:52
